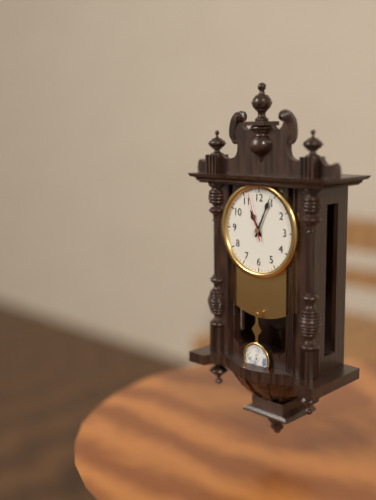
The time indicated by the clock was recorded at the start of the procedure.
11:04:57
